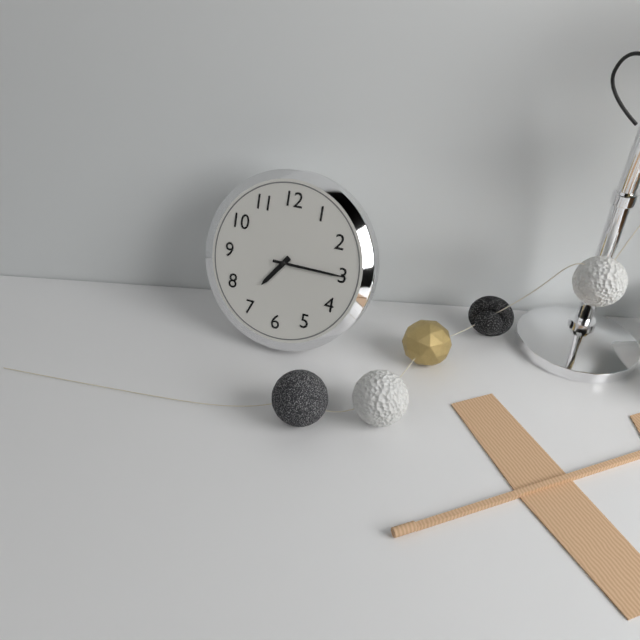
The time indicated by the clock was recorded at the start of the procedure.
7:15
